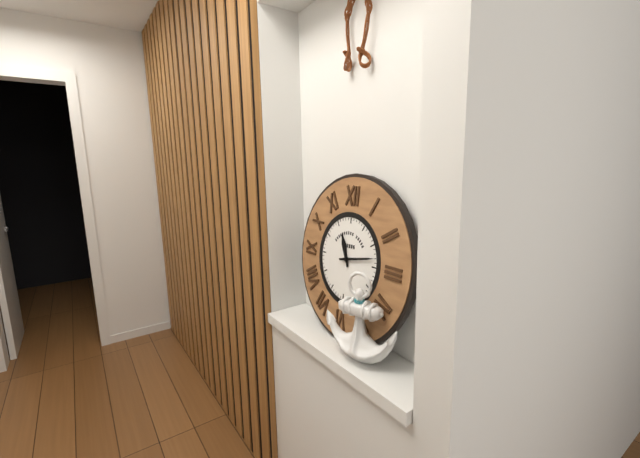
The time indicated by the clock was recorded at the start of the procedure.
11:13
